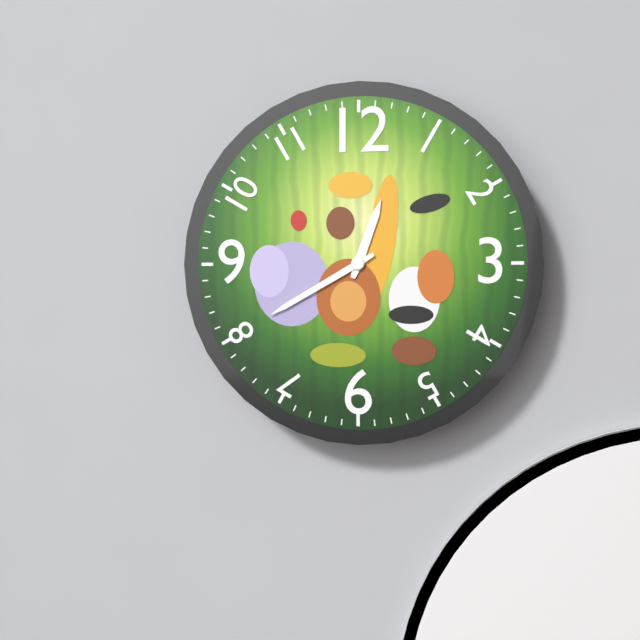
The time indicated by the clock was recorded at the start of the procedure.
12:40
